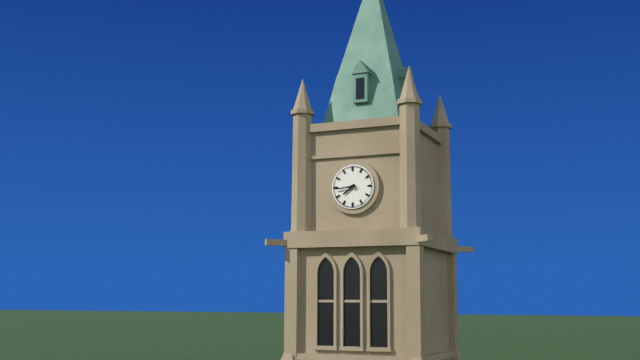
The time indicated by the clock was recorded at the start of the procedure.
7:44
